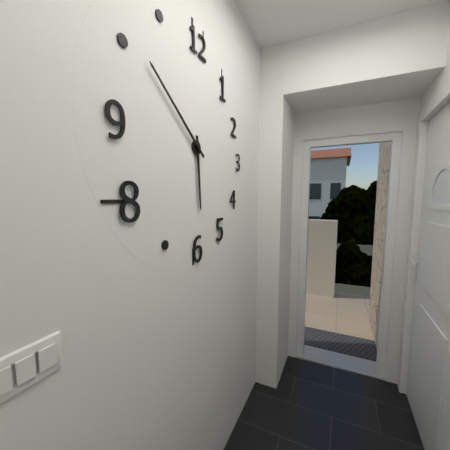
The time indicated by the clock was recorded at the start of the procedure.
5:51
